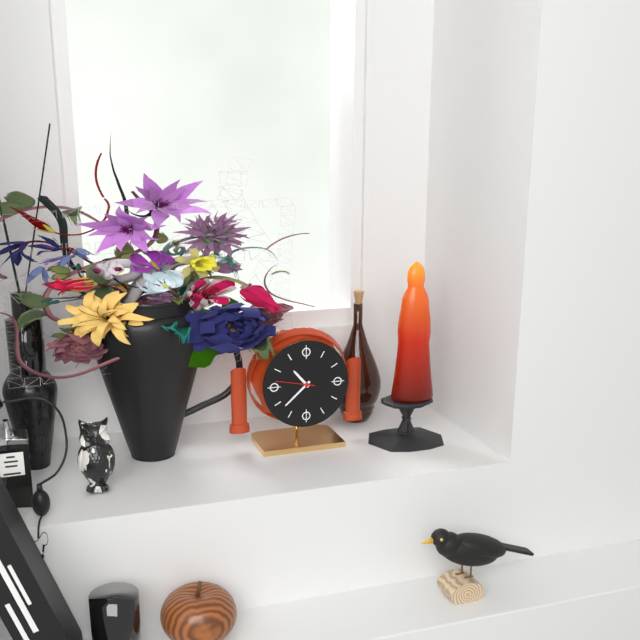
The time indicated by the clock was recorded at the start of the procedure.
10:38
